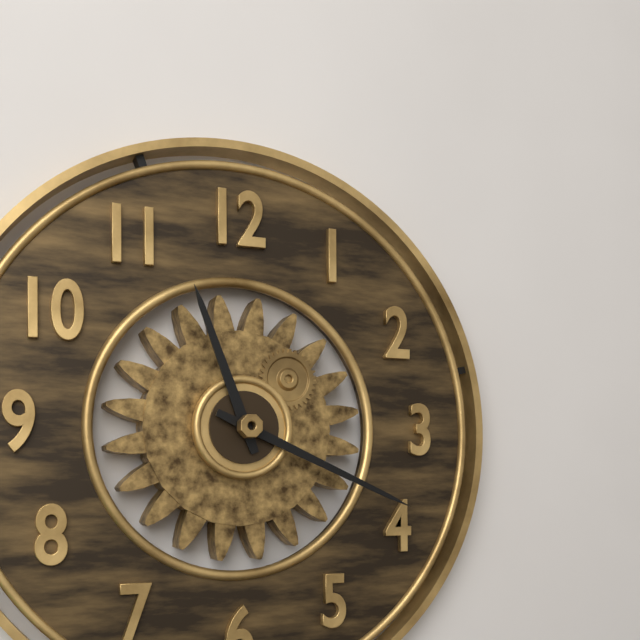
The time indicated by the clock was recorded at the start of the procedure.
11:19
